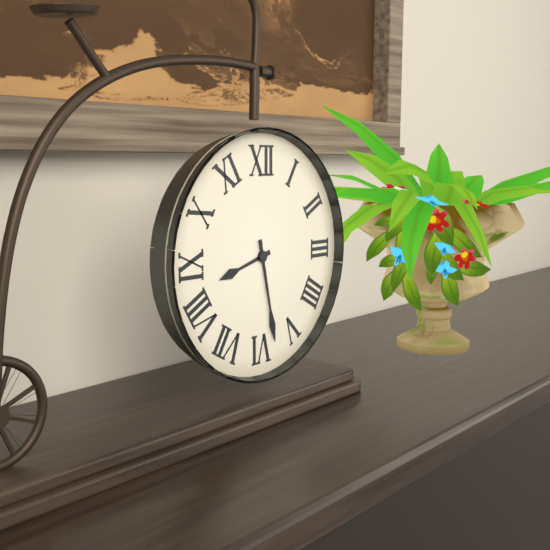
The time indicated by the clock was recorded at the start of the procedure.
8:28
